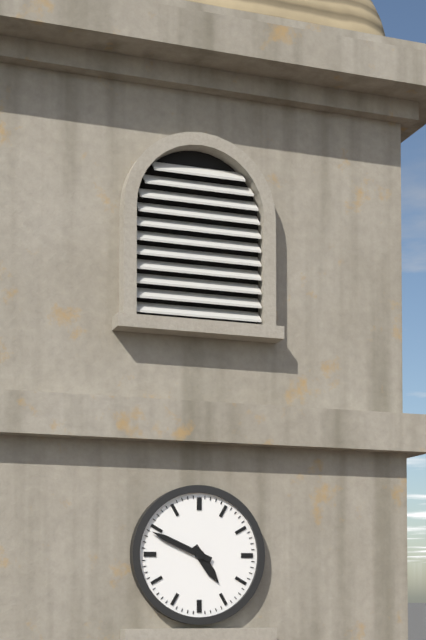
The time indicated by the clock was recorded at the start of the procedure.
4:49
